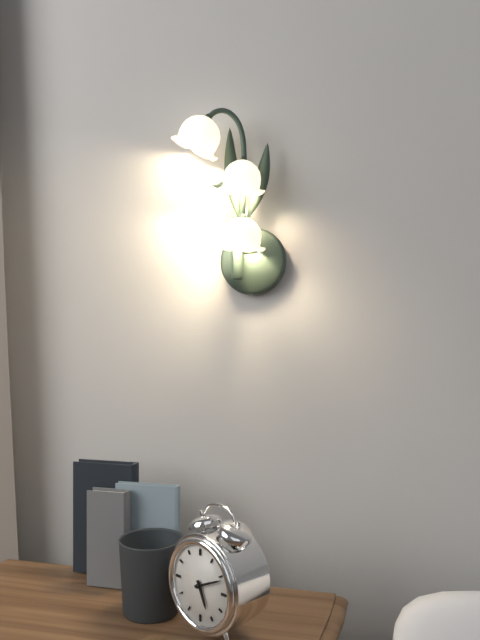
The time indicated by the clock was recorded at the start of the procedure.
5:11
